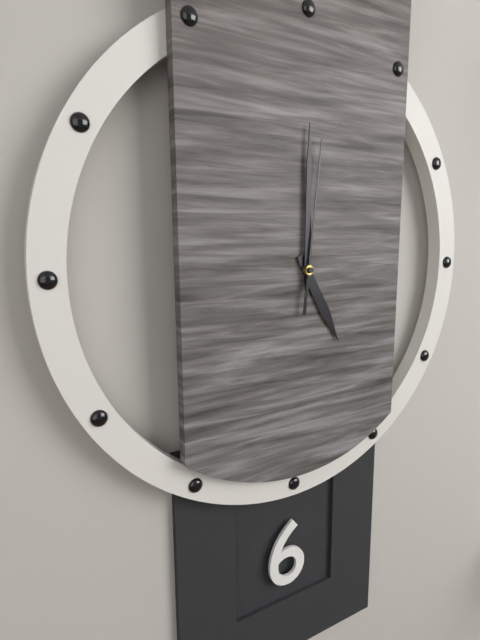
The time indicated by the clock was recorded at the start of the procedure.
5:00:01
